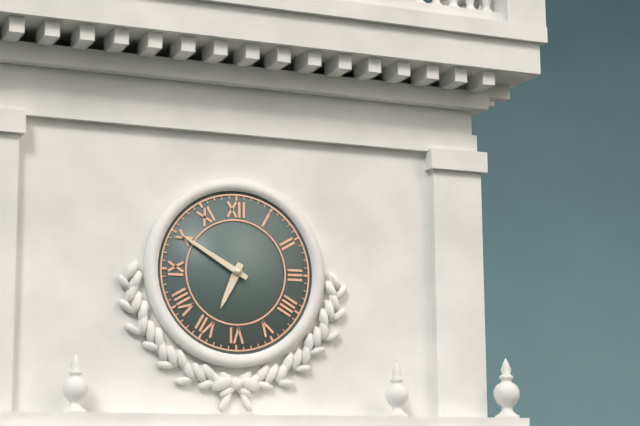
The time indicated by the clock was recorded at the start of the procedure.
6:50
